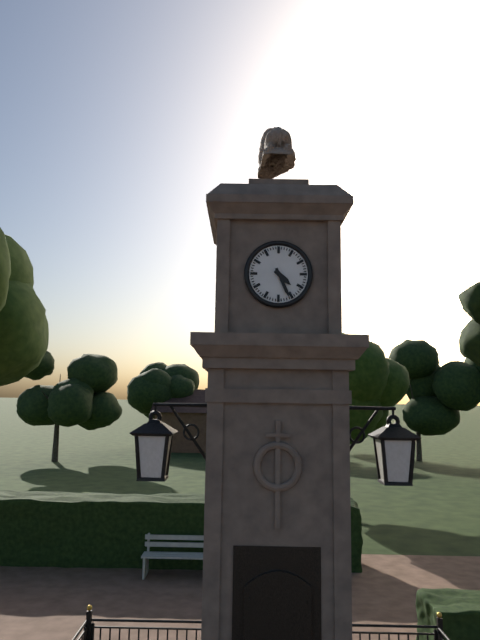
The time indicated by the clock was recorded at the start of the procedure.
4:26
